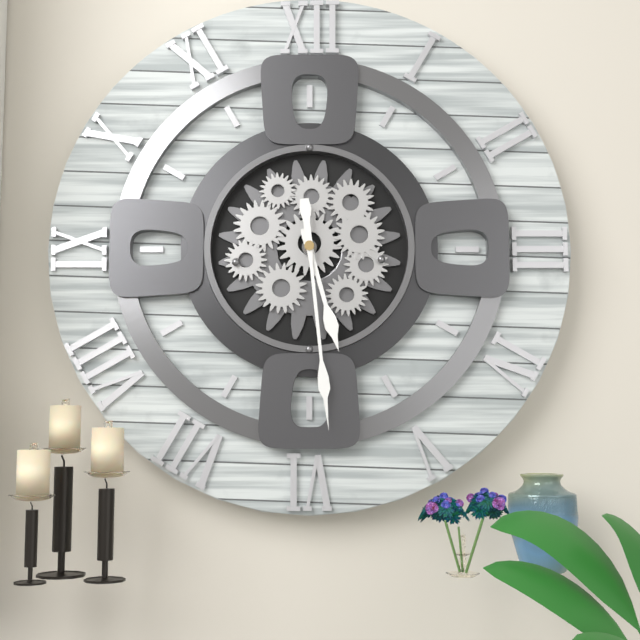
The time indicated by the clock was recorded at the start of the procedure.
5:29
